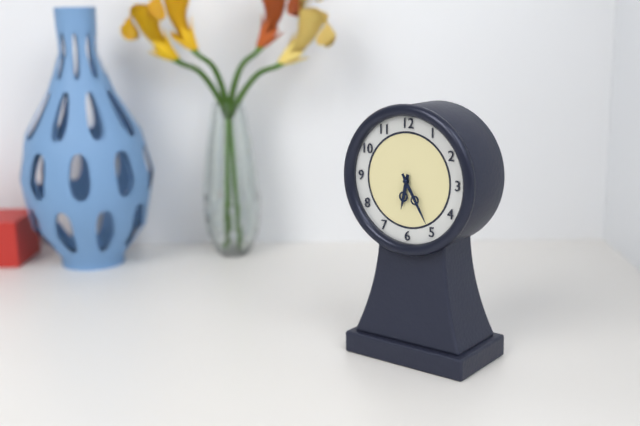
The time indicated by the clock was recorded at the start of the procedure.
6:25
